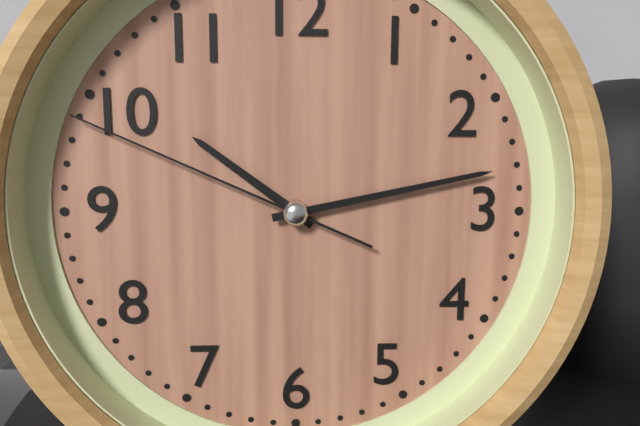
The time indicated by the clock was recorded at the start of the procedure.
10:13:49
